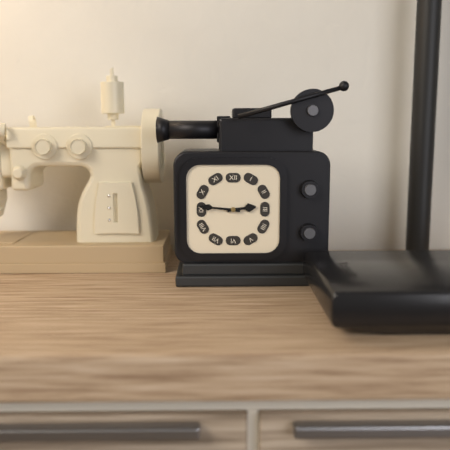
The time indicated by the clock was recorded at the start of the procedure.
2:46
